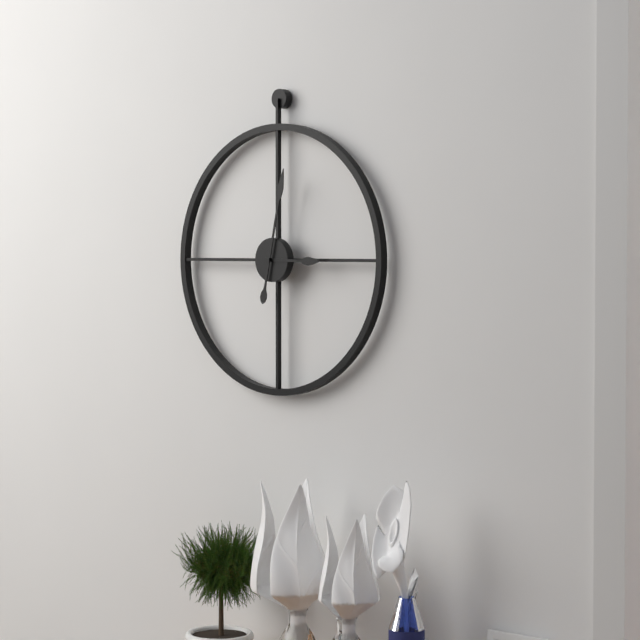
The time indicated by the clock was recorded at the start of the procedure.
3:02
